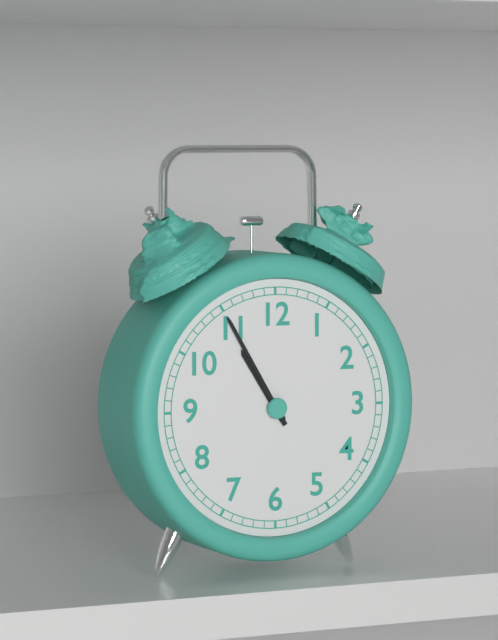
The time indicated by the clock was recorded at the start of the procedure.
10:55
